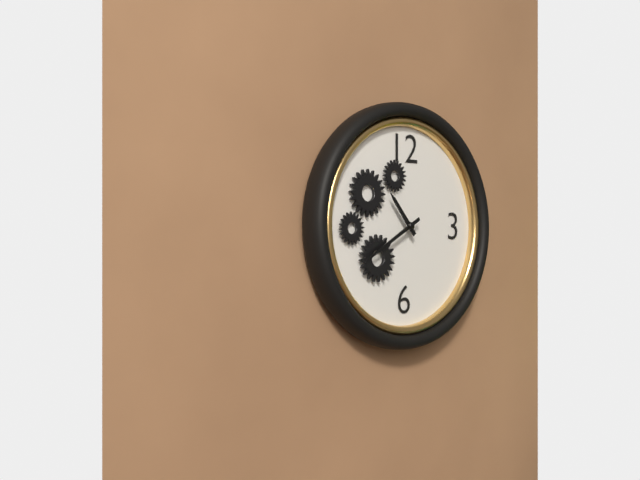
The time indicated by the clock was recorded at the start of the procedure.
10:40
